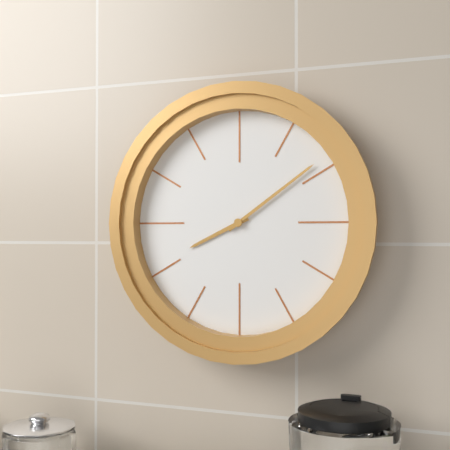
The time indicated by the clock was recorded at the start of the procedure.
8:09
